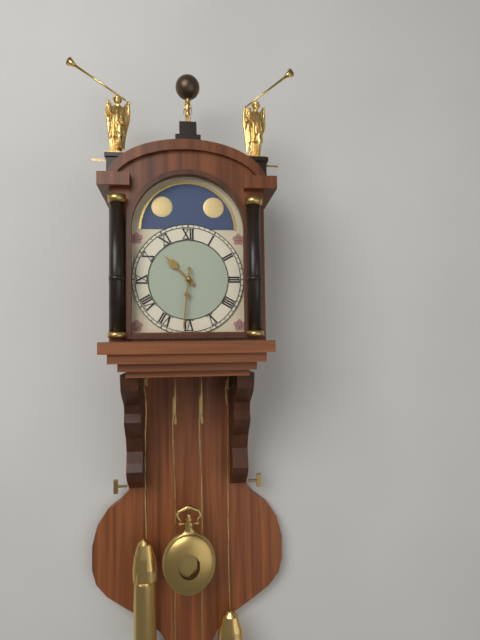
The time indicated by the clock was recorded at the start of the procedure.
10:31
